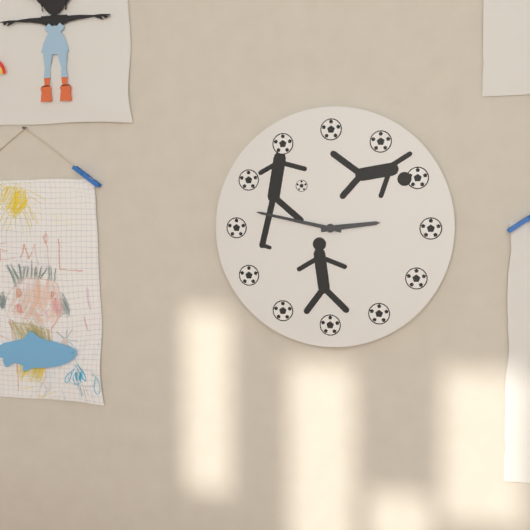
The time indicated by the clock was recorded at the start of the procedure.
2:47
